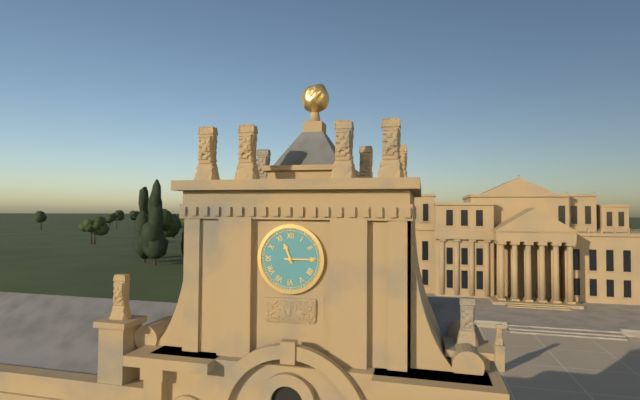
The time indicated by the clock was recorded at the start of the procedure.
11:15
